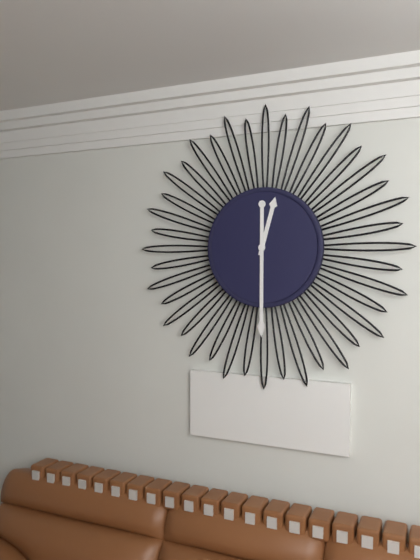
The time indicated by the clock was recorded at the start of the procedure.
12:30
